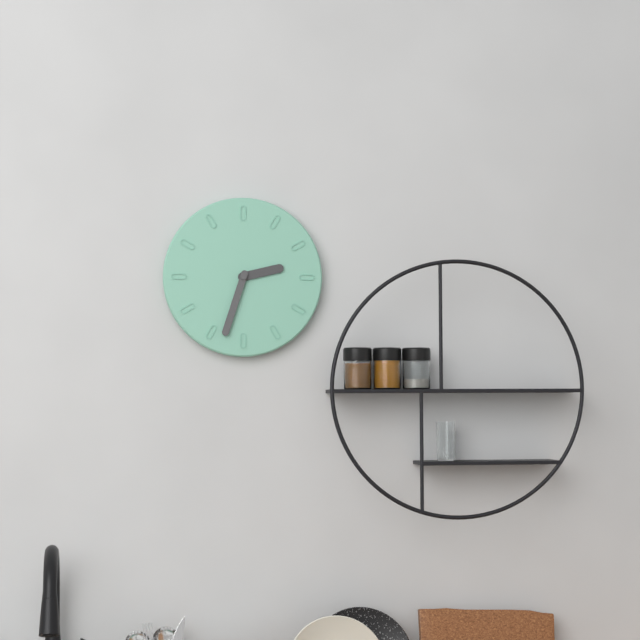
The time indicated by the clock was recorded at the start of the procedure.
2:33
